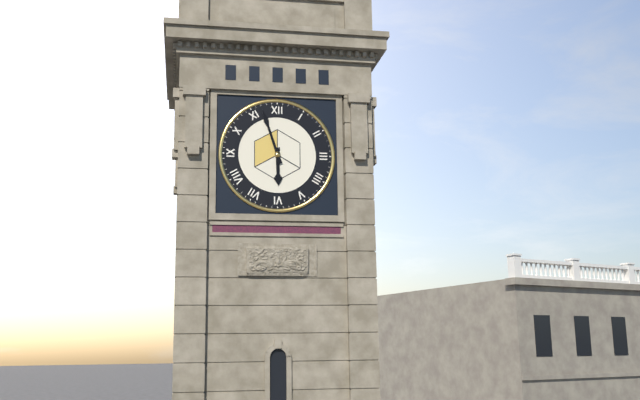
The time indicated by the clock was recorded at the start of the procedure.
5:57
